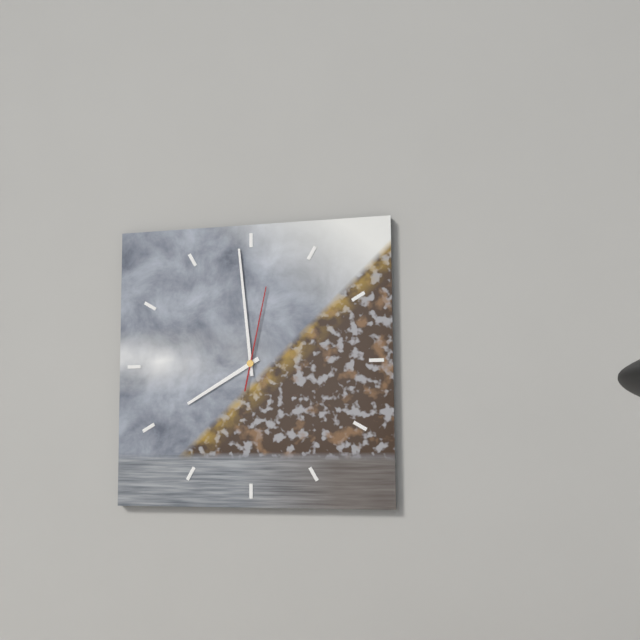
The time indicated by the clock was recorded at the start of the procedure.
7:59:02
